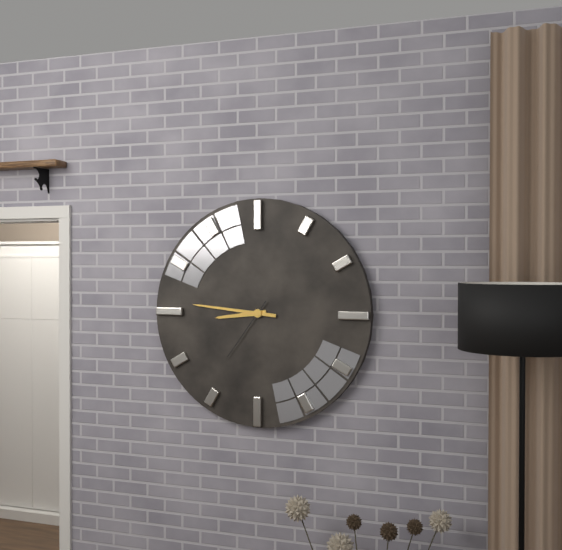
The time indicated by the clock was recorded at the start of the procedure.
8:46:36
